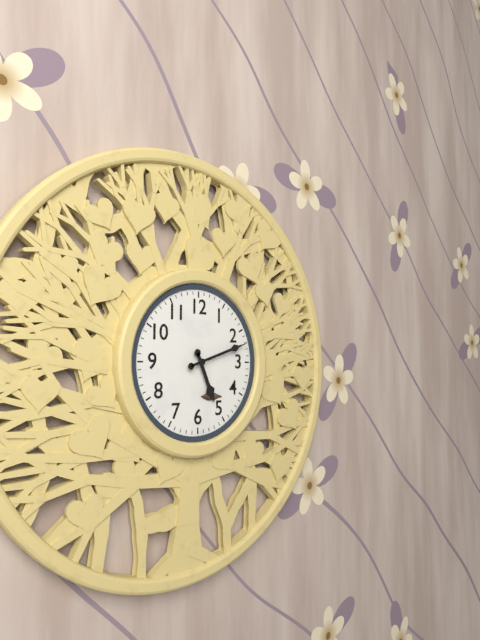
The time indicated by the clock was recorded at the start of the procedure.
5:12
